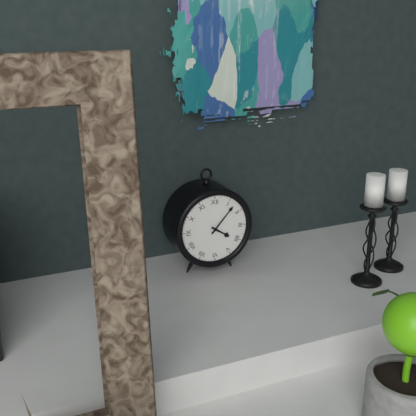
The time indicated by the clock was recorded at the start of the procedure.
4:07
